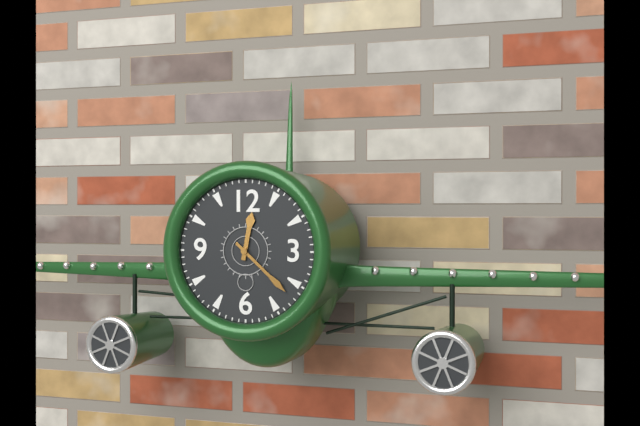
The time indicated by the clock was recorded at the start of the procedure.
12:22
